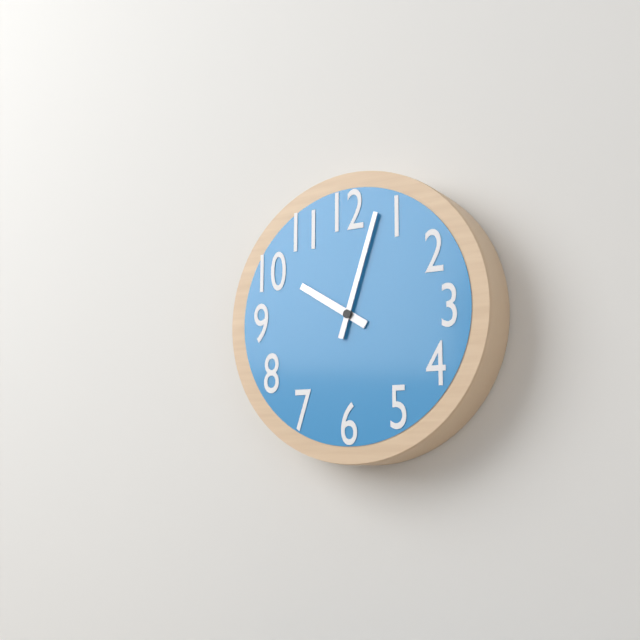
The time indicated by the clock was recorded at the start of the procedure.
10:03
